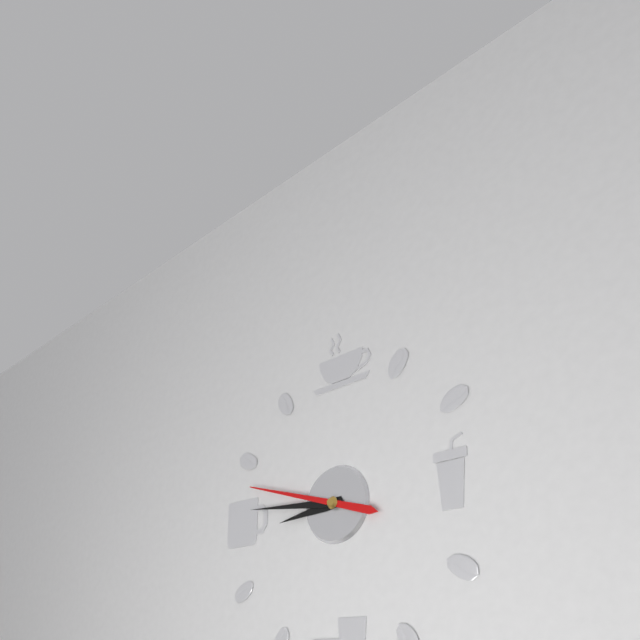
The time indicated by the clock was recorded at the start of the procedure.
8:46:48
